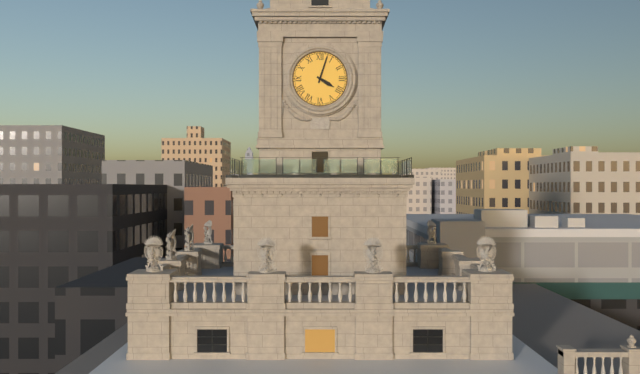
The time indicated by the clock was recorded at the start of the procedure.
4:03
